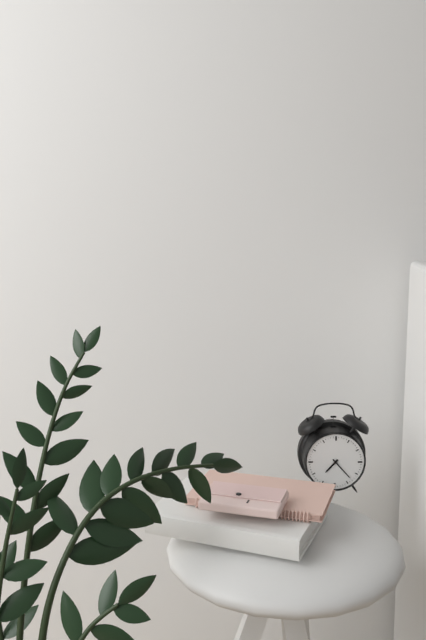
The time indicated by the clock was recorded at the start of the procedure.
7:23
